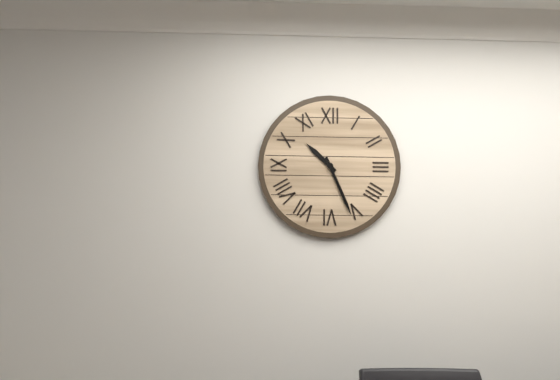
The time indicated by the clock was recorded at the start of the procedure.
10:26
